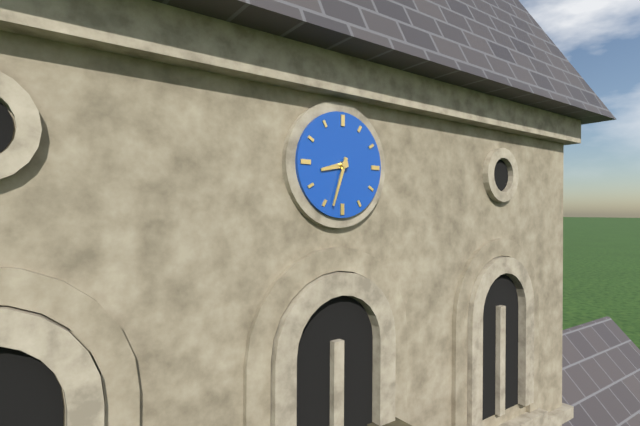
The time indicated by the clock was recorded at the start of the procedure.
8:33
